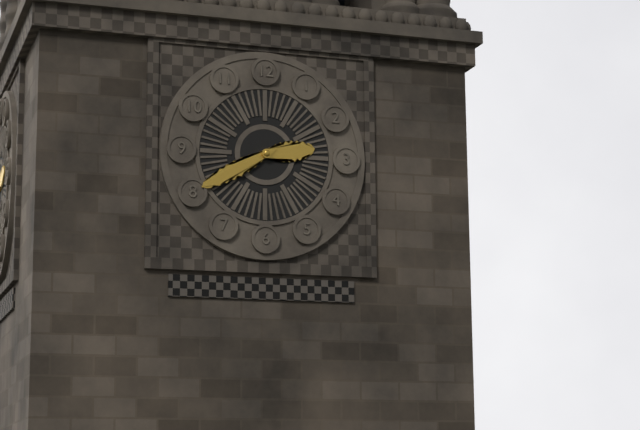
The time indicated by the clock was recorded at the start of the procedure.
2:40
